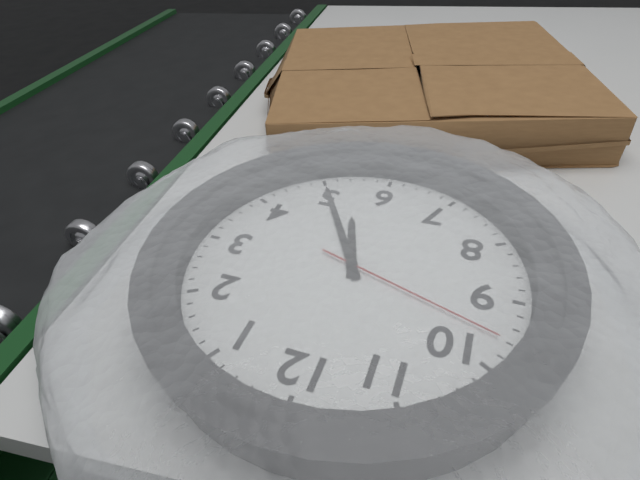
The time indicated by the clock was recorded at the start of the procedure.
5:25:48
